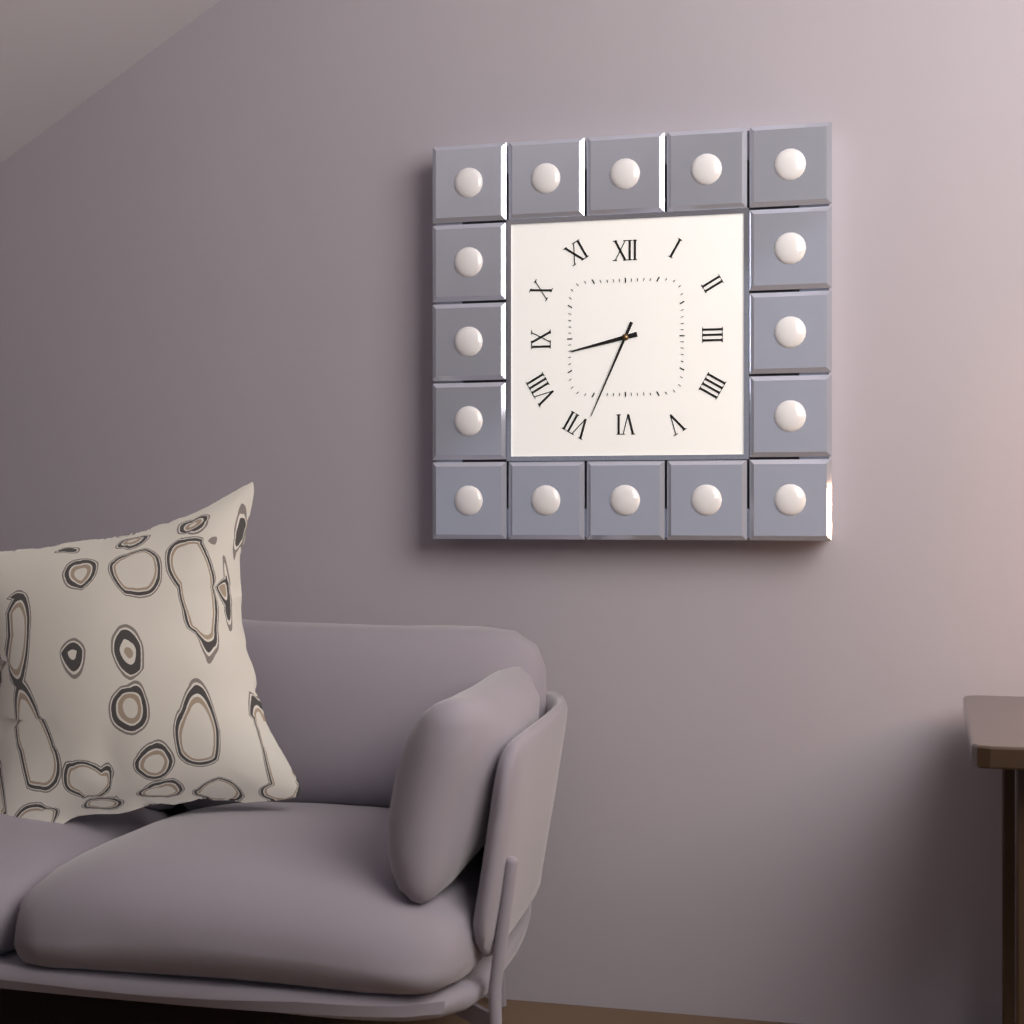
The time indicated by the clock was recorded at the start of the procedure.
8:34
